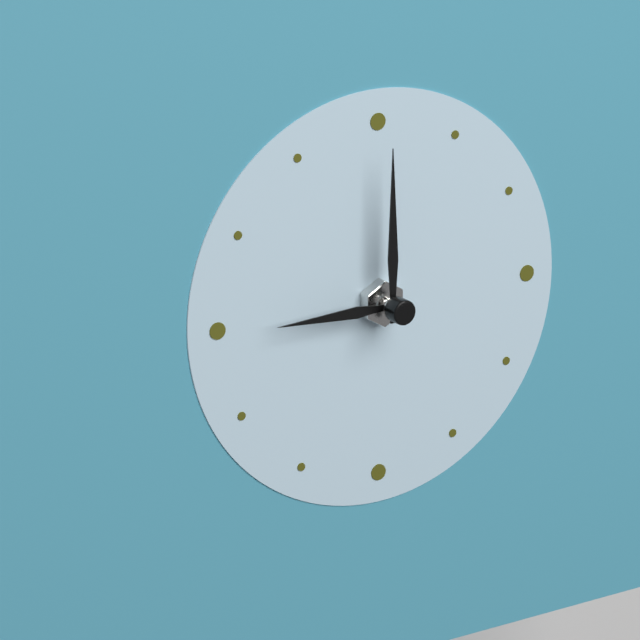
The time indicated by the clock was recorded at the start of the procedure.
9:00
